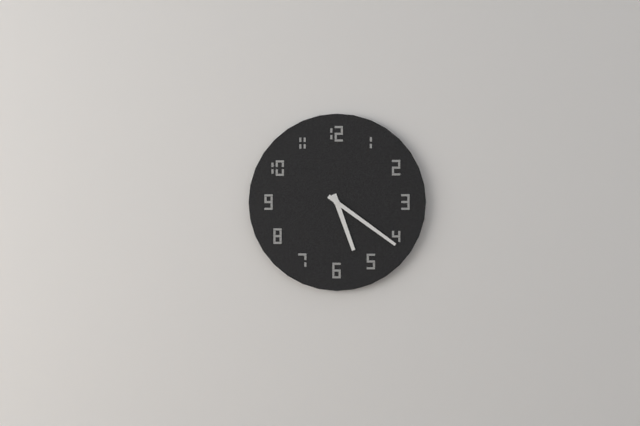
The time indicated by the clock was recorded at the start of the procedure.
5:21
